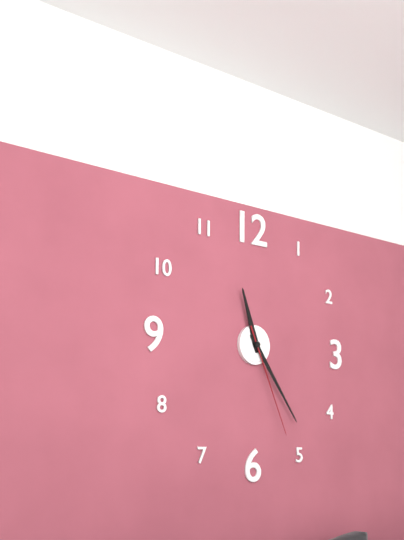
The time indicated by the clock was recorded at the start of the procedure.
11:24:26
